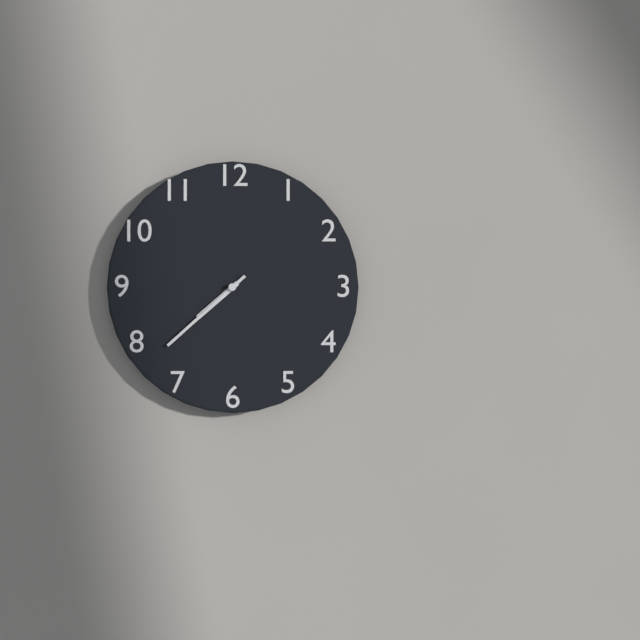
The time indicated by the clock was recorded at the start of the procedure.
7:38
